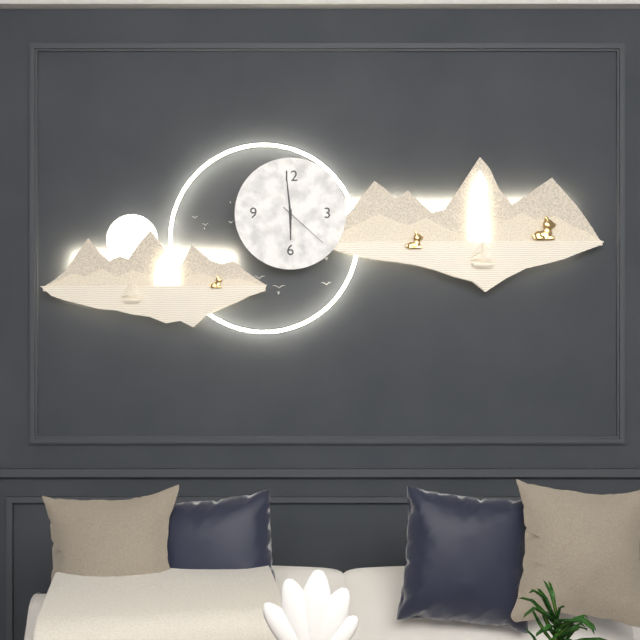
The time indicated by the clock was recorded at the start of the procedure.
5:59:22
